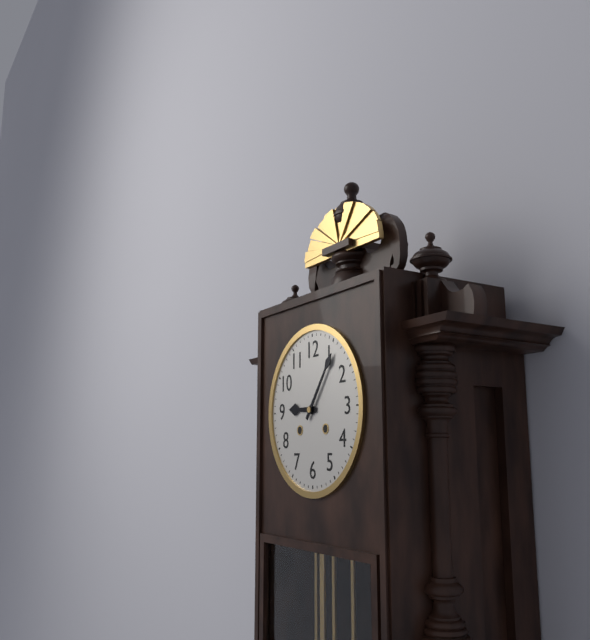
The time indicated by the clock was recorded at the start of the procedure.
9:06
